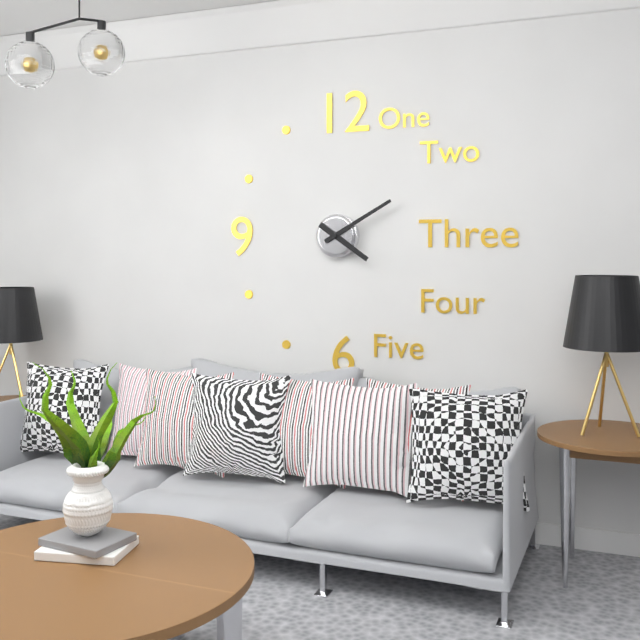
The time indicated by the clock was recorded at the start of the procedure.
4:10
